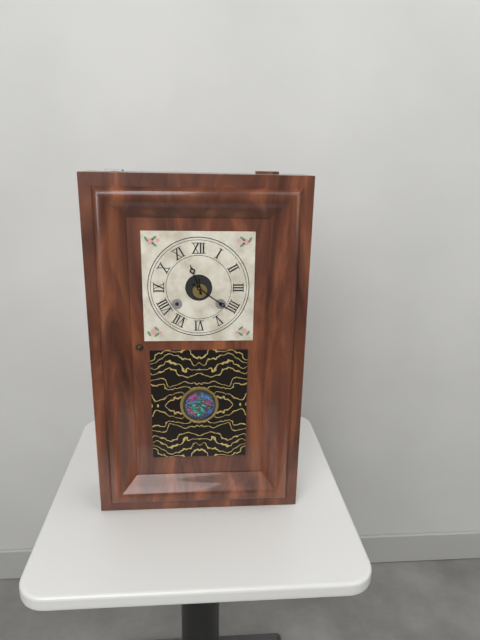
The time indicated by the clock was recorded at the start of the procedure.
11:21
